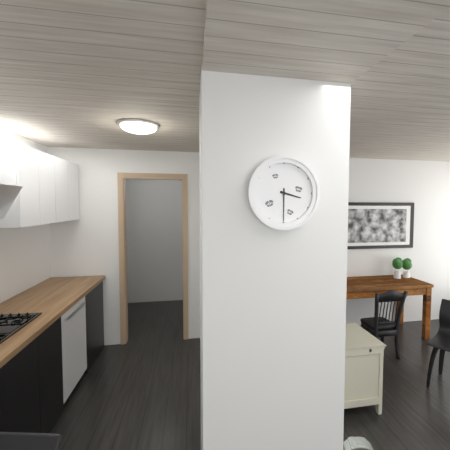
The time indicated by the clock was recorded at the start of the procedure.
3:30
